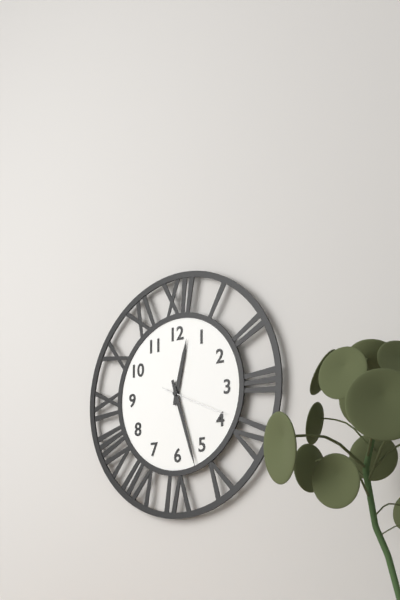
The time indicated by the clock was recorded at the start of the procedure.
12:27:19
